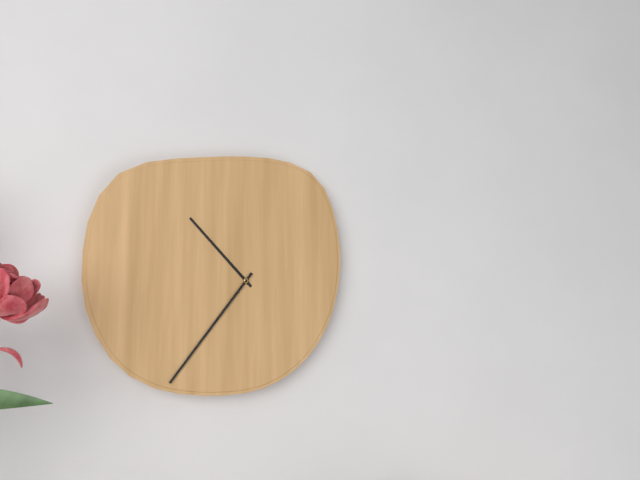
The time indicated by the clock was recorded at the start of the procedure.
10:36
